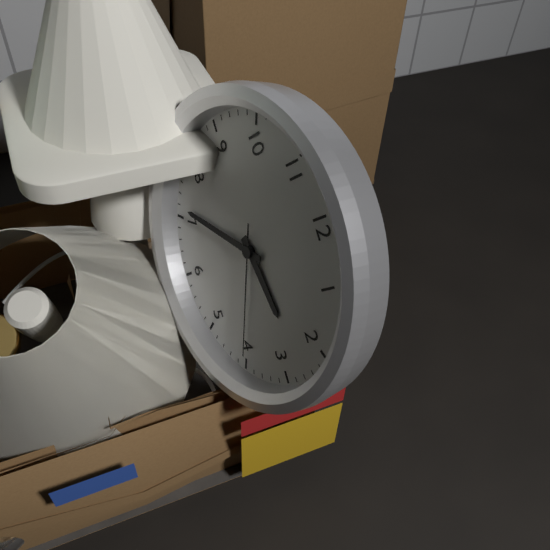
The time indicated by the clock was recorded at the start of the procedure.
2:36:20
